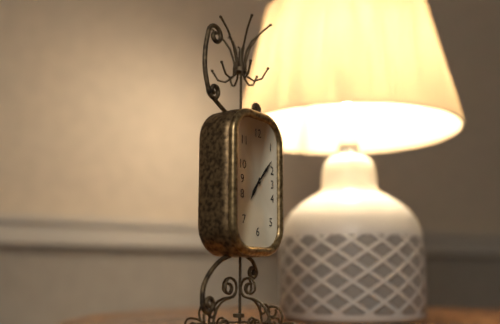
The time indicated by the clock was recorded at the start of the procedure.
7:07
